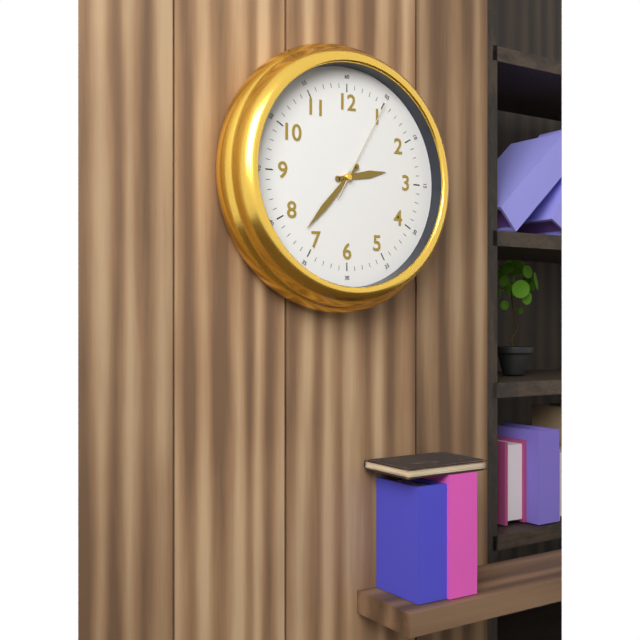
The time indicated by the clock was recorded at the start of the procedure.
2:37:05
